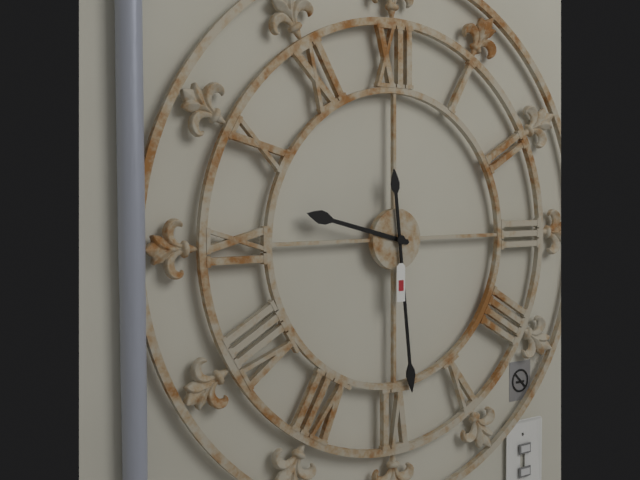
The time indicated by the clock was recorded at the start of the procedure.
9:29
